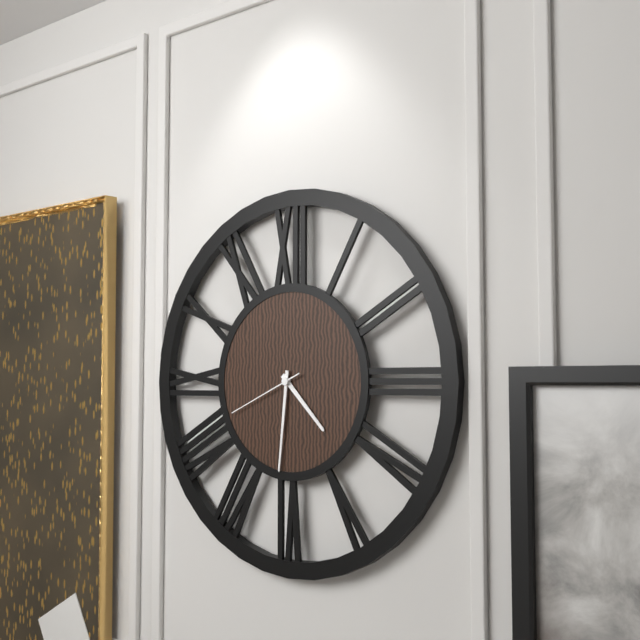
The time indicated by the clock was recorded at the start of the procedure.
4:31:41
